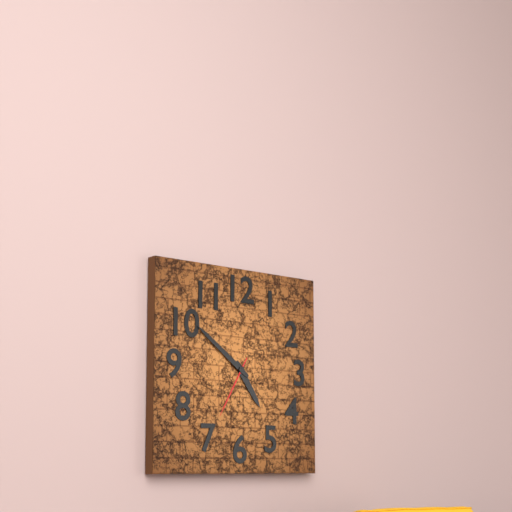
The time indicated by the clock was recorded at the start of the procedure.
4:51:35
